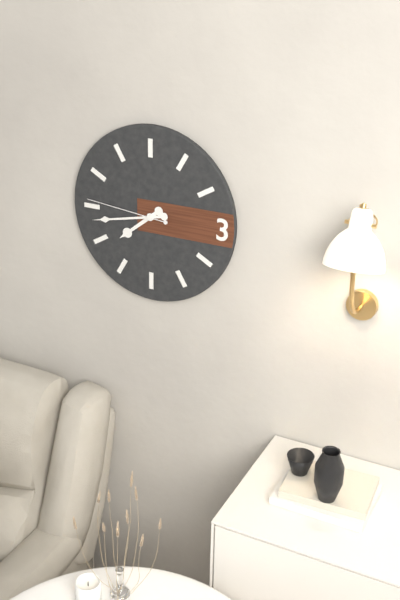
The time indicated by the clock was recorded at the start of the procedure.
7:43:46
